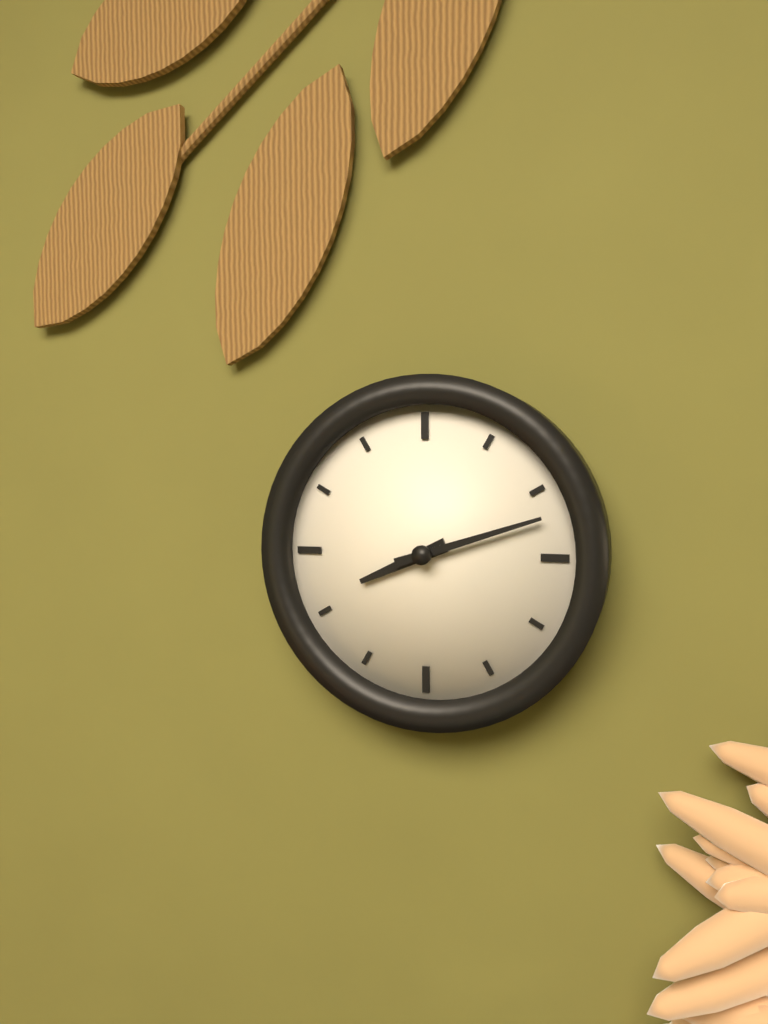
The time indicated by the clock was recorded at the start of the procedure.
8:12
